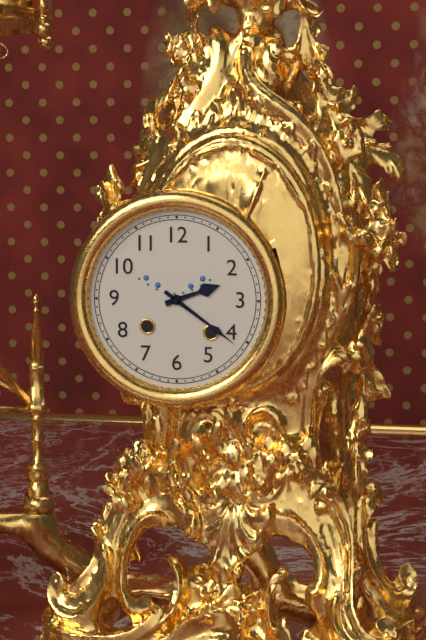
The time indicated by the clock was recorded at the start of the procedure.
2:21
